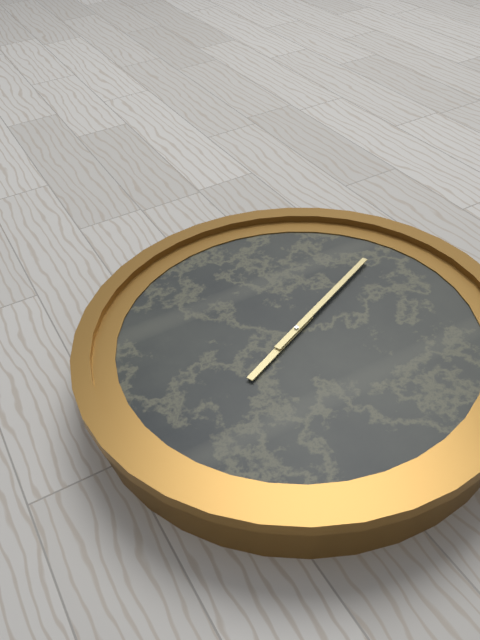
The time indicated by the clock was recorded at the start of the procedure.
8:11
